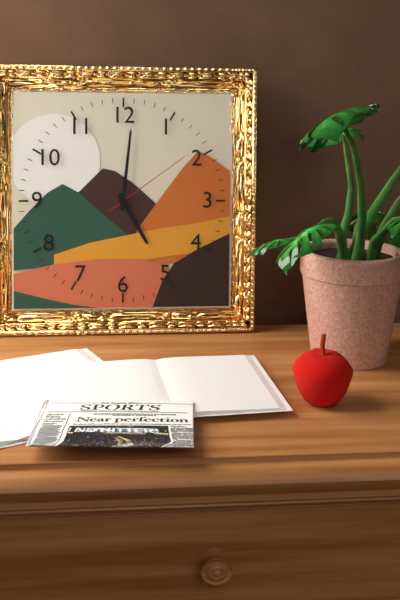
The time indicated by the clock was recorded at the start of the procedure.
5:01:09
